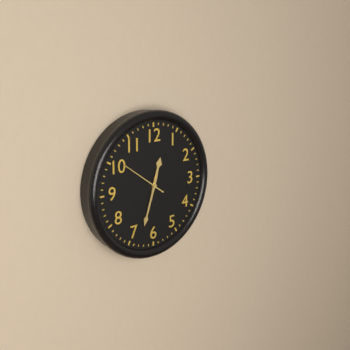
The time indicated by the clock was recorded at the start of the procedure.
12:33
